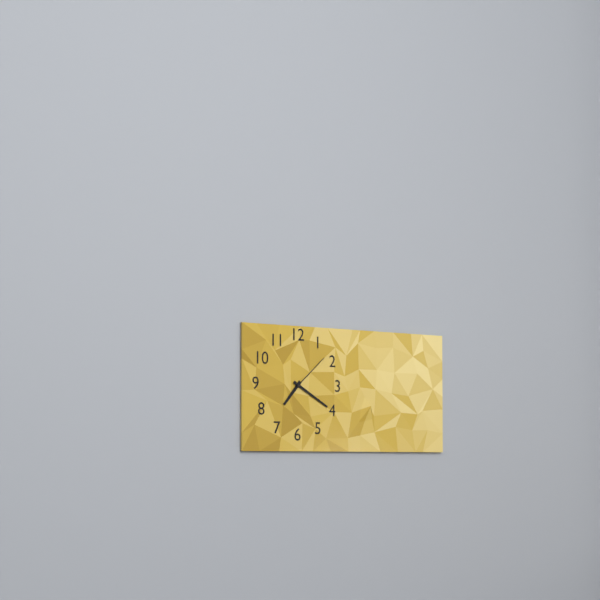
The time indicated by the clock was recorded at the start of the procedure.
7:20
